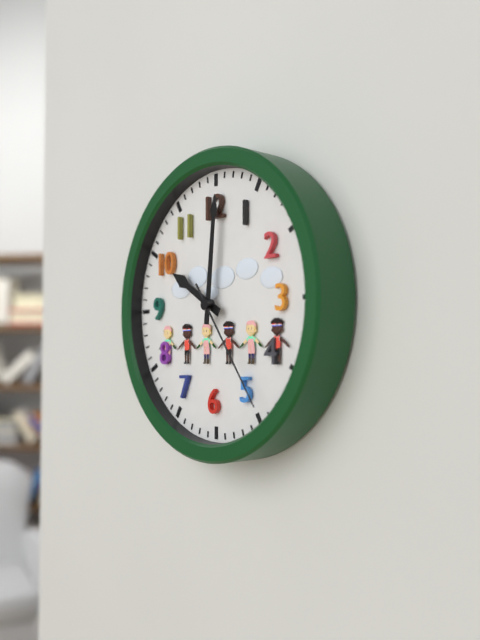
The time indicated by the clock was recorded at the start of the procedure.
10:01:24
